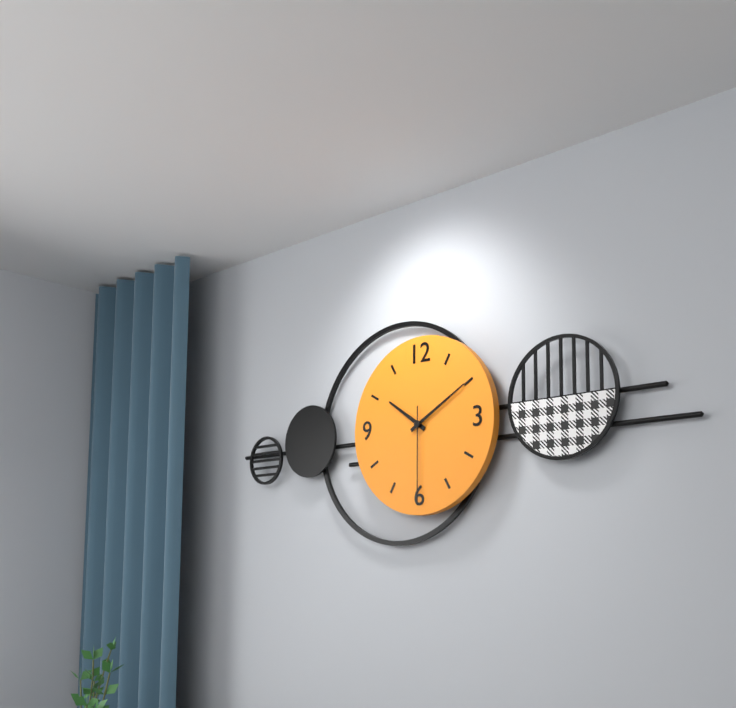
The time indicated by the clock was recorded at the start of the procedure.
10:10:30
